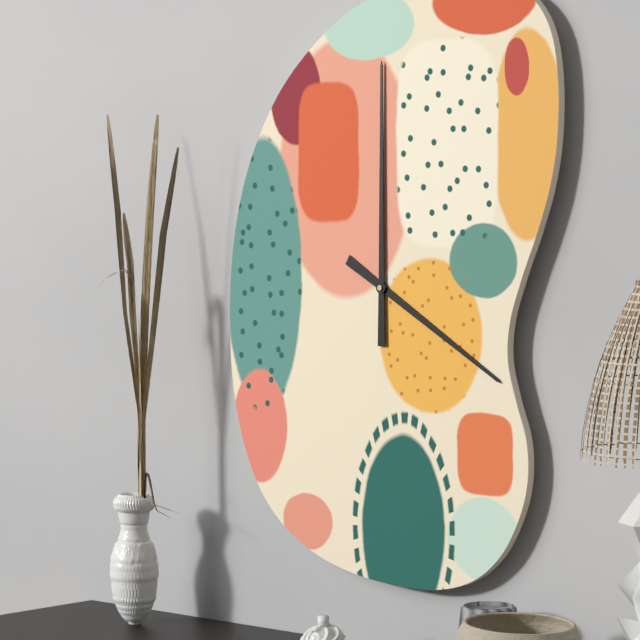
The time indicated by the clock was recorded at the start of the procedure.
4:00
